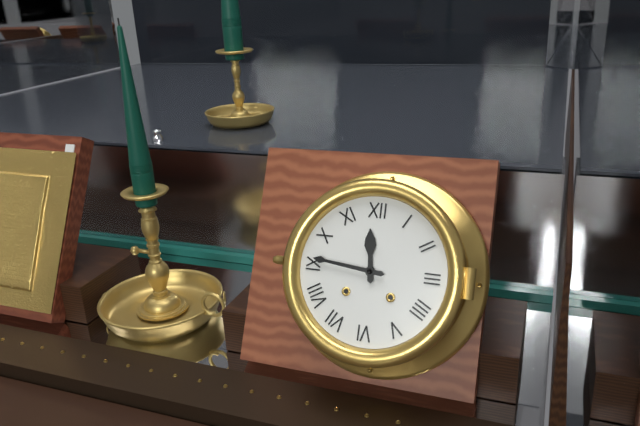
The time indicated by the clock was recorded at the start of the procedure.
11:46
